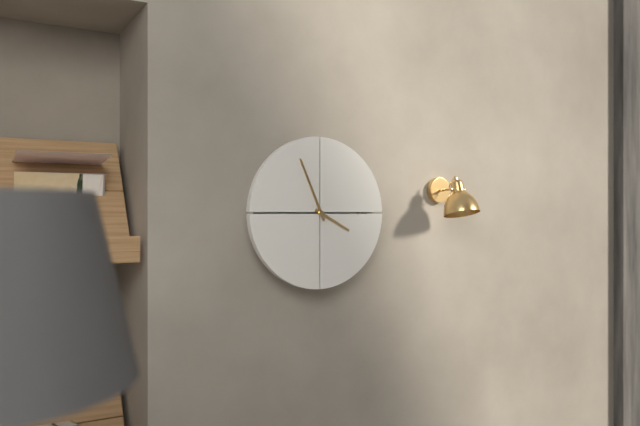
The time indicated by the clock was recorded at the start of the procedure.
3:56
